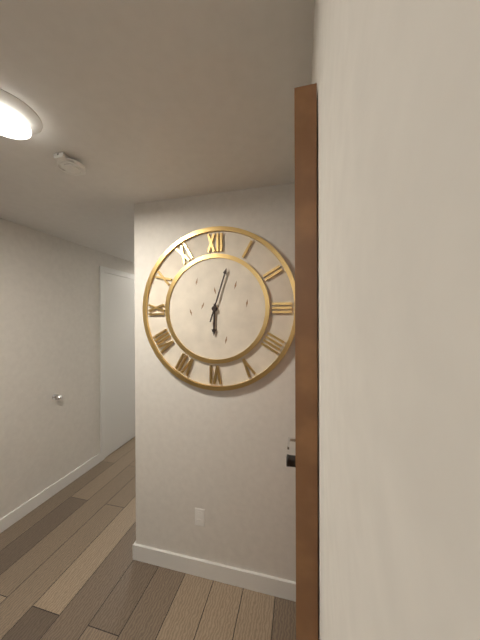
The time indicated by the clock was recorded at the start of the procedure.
6:03
